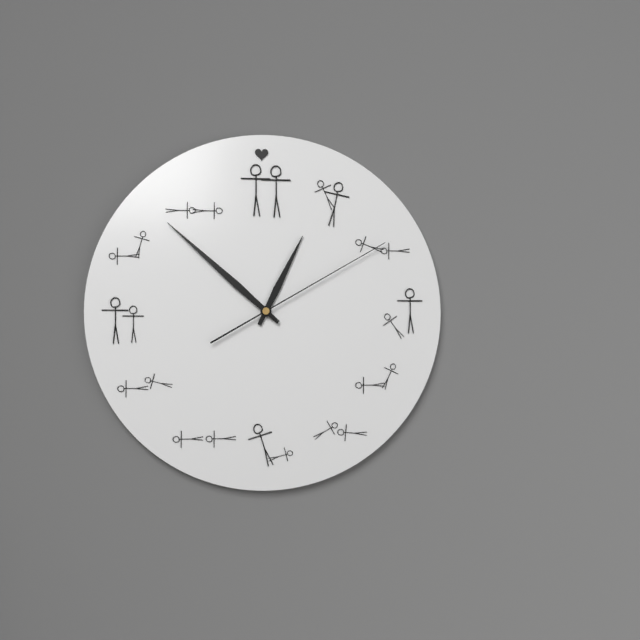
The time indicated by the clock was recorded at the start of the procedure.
12:52:10
